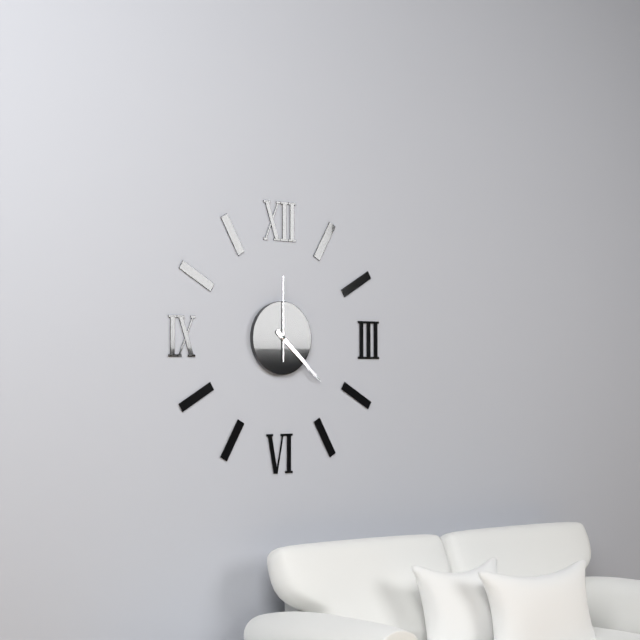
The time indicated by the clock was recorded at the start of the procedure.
4:22:00
